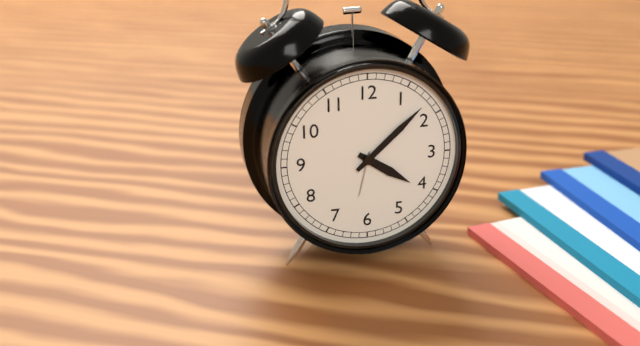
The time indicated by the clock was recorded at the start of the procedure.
4:08
